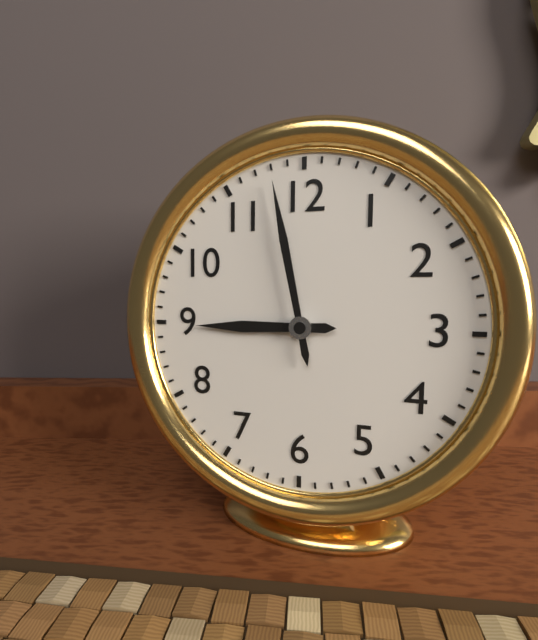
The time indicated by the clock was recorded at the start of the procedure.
8:58
